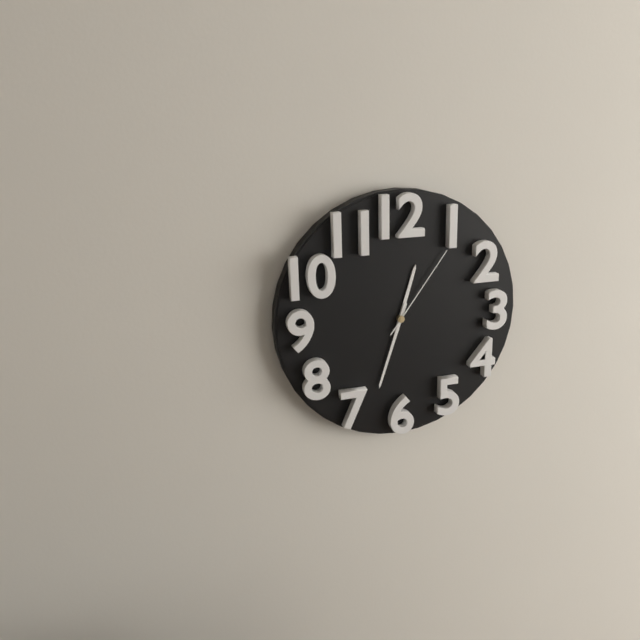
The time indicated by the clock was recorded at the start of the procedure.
12:33:06
